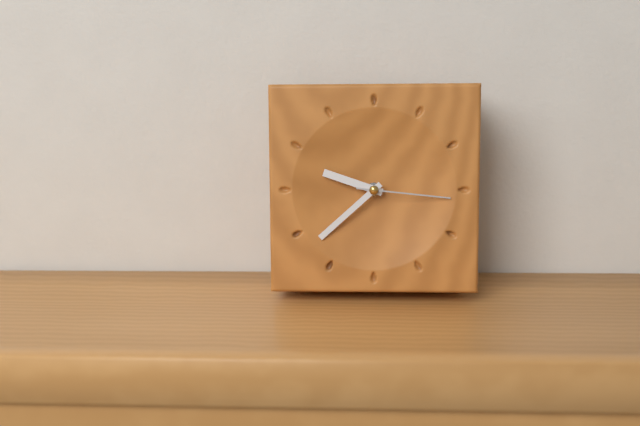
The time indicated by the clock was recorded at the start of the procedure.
9:38:16
